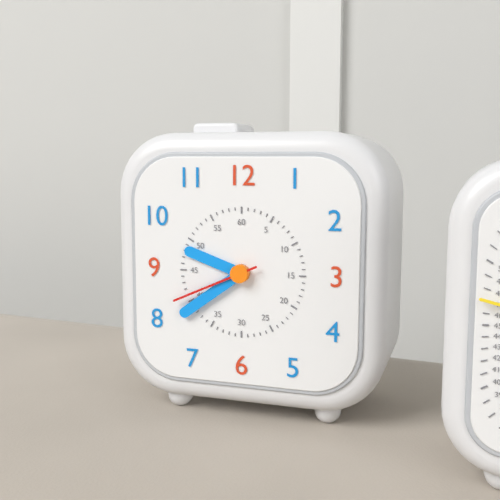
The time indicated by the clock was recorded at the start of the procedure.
9:39:41
